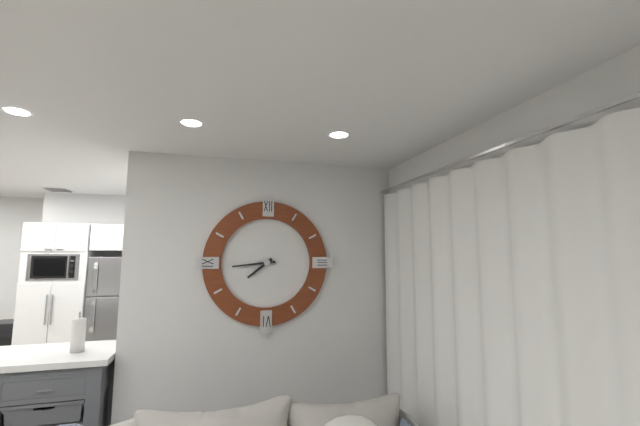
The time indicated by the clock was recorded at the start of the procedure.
7:44
